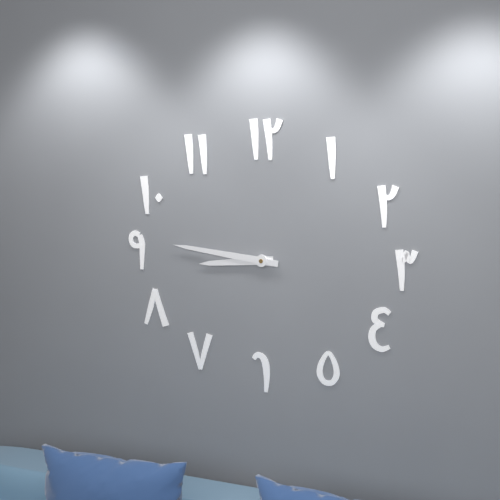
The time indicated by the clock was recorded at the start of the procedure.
8:46
